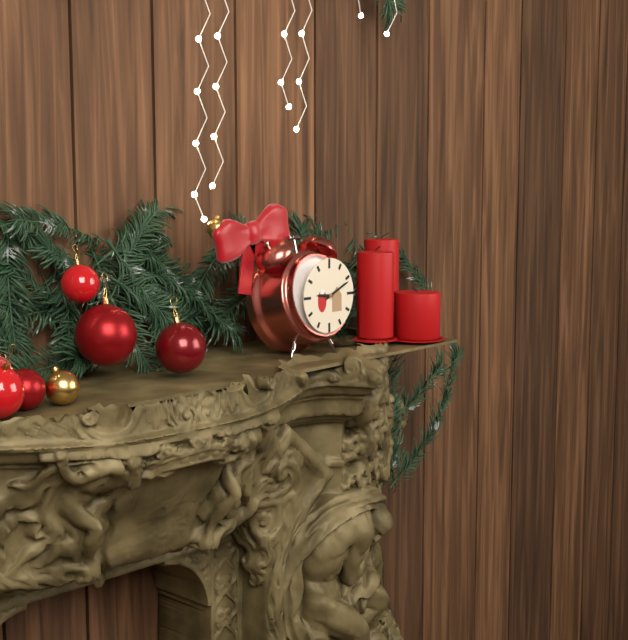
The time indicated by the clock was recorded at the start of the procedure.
9:11
